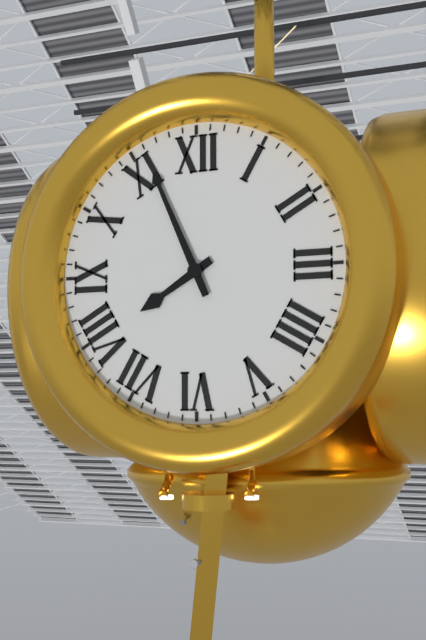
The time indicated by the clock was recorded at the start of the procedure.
7:56
